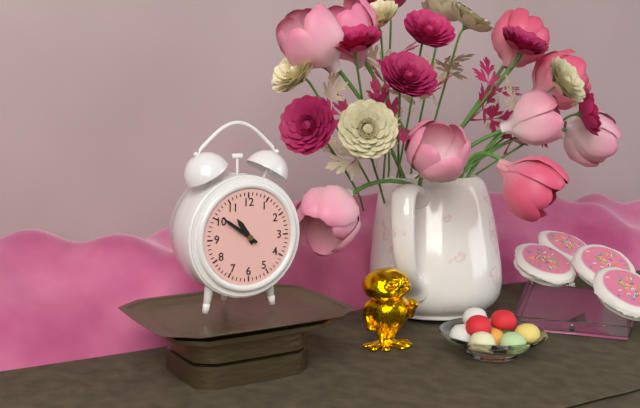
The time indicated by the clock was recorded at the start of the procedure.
10:51
